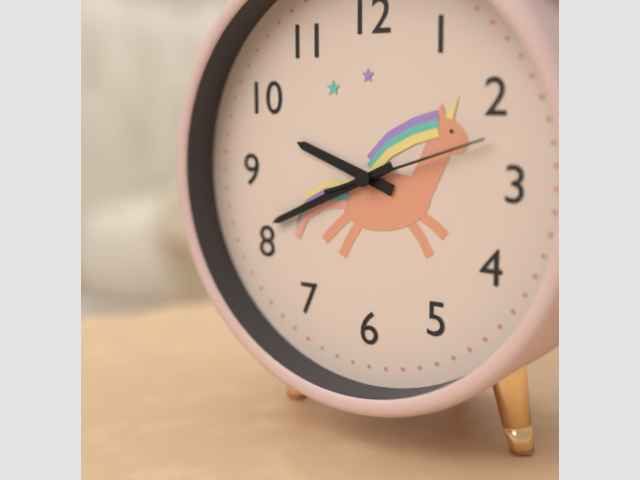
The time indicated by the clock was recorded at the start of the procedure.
9:41:12
